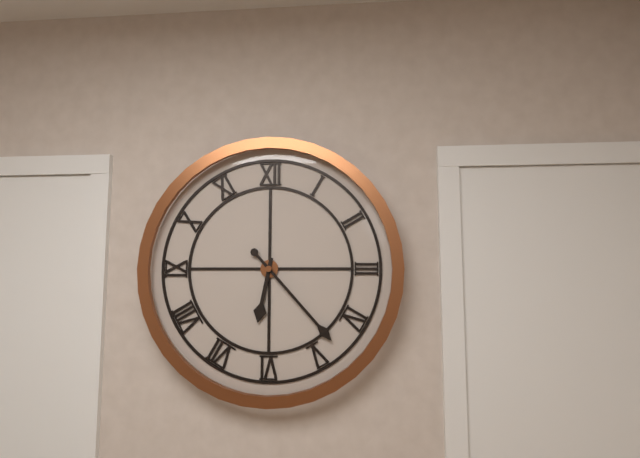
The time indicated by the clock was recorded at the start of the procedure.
6:23
